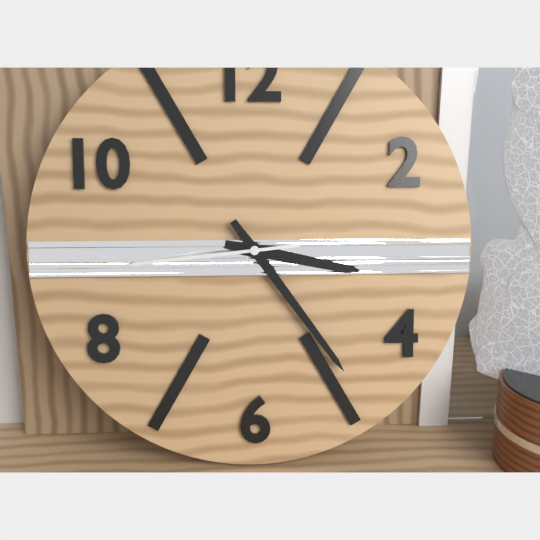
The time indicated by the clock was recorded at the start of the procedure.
3:24:44
